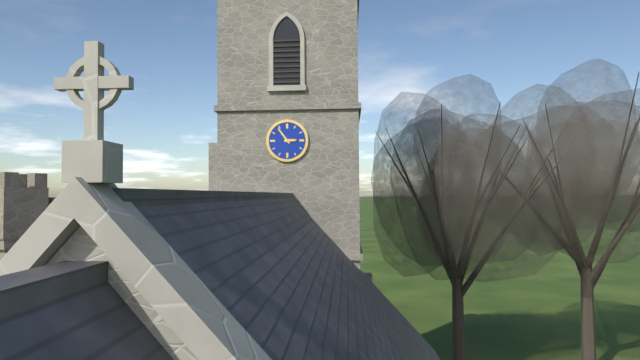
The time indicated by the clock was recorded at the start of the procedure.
2:54
